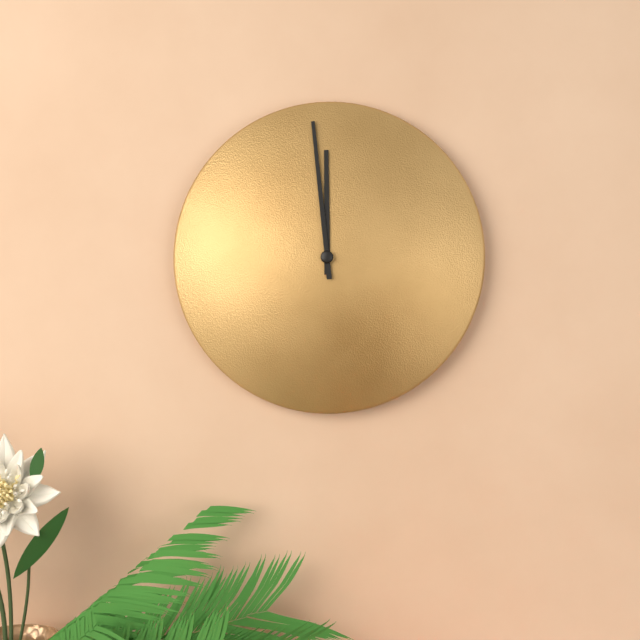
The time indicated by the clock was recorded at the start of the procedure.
11:59
